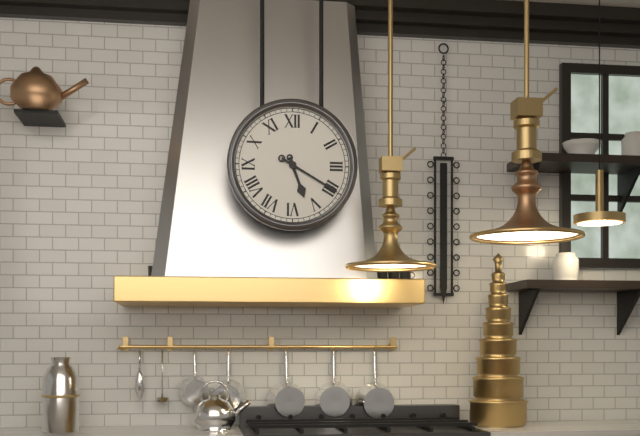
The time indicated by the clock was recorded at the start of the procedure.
5:20
